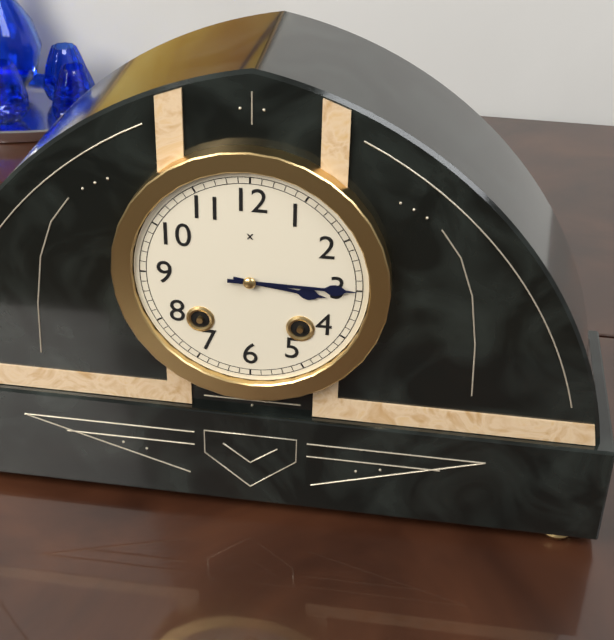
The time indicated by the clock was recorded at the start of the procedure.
3:15
